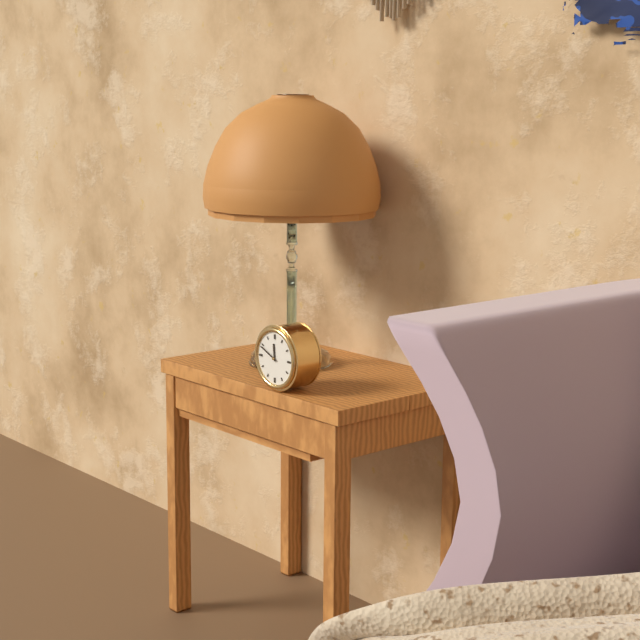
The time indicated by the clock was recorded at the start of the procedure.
11:49
